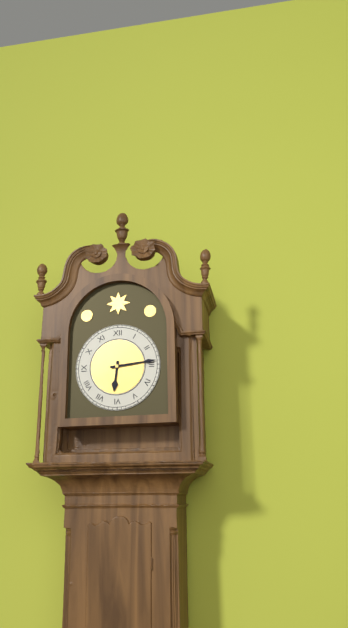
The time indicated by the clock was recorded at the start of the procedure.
6:14
